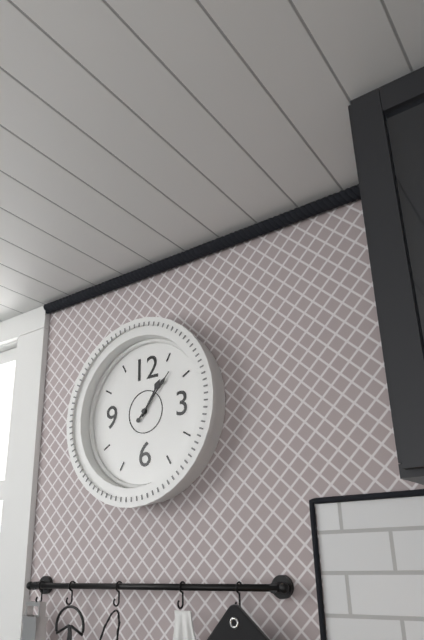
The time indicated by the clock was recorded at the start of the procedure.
1:07
